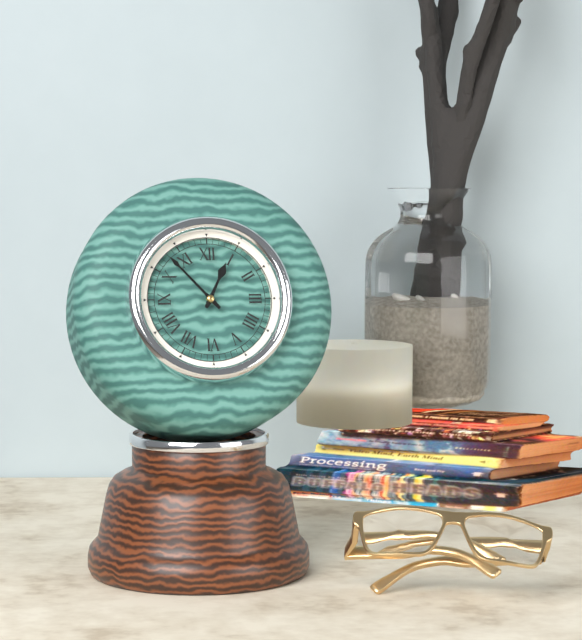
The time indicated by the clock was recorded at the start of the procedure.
12:53
